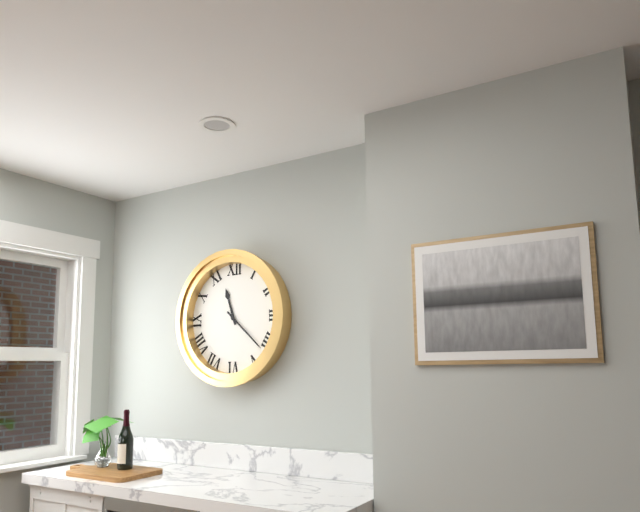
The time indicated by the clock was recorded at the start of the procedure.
11:22
